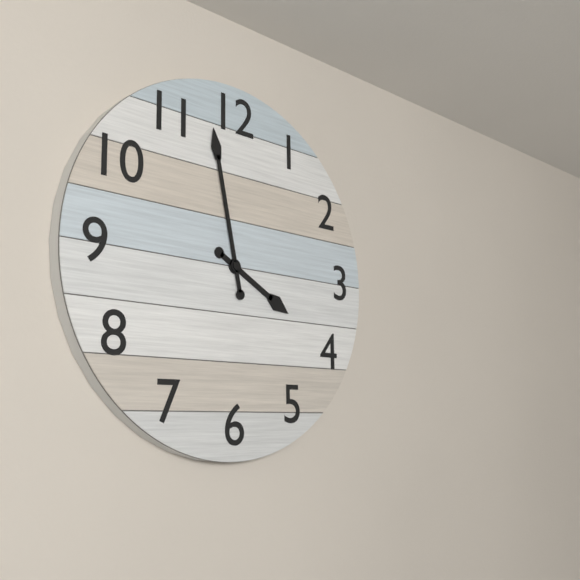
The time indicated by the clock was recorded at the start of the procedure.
3:58
